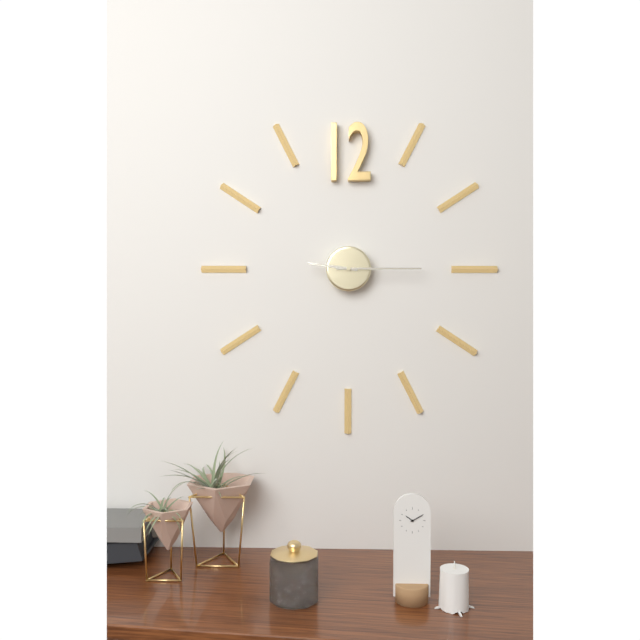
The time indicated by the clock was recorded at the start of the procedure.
9:15
